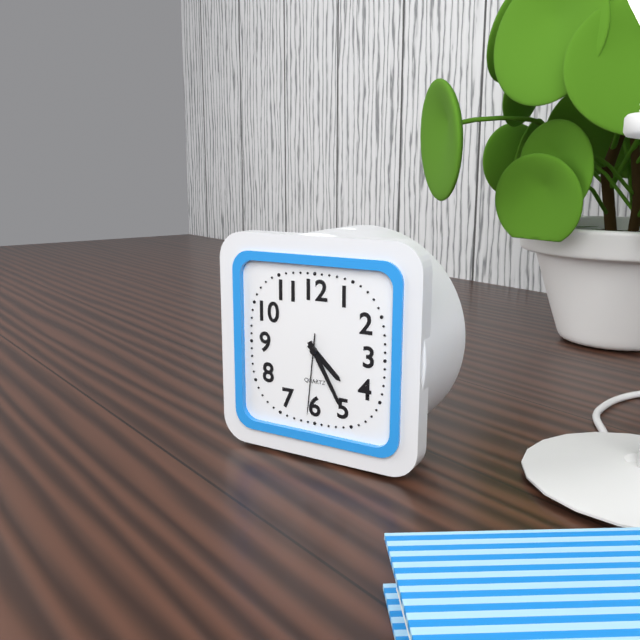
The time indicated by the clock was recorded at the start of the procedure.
4:25:31
